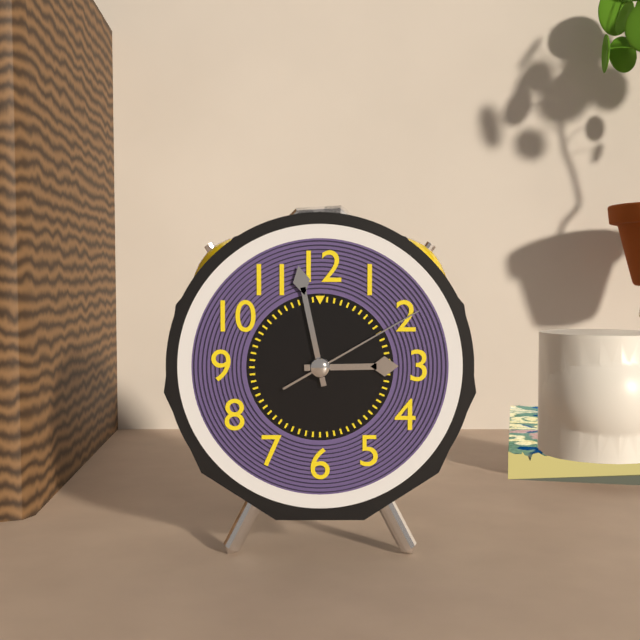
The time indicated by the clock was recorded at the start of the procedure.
2:58:10
